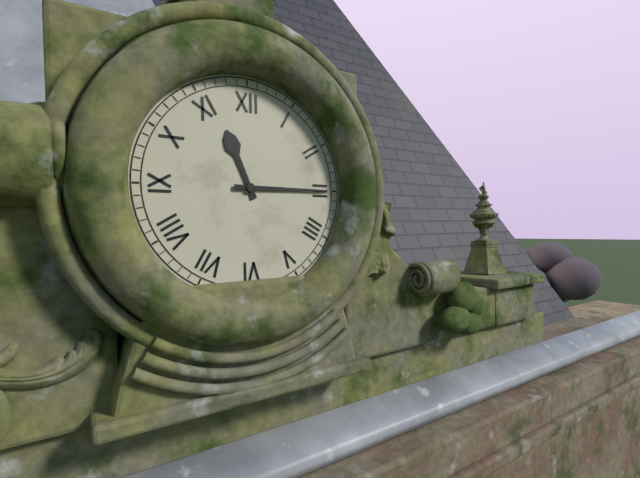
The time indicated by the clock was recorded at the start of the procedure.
11:15
